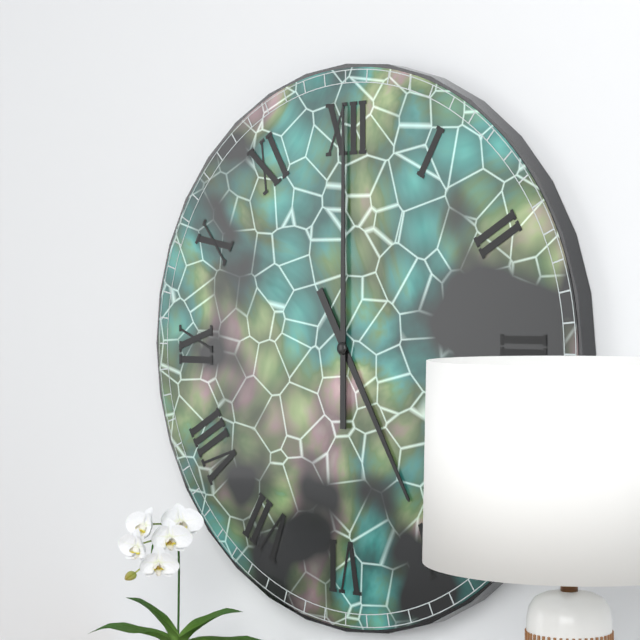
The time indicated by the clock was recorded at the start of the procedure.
5:00
